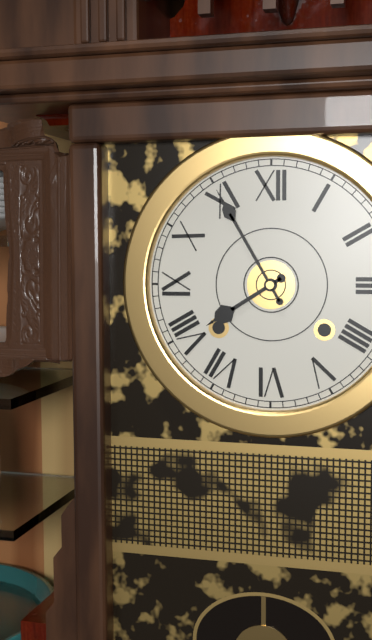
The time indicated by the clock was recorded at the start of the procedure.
7:55
